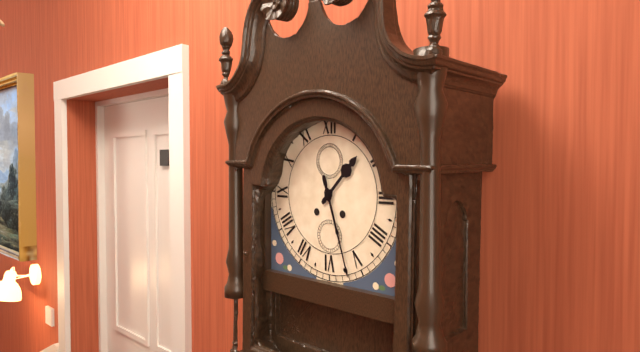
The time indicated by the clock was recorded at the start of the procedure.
1:27
